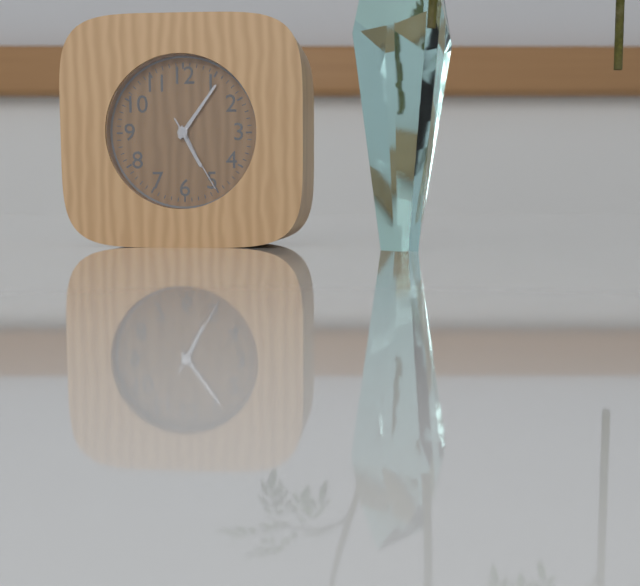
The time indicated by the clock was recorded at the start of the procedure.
5:06:25
